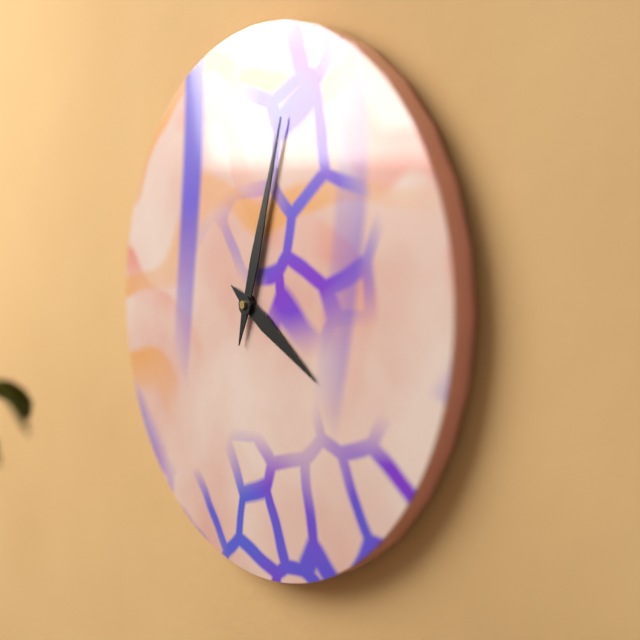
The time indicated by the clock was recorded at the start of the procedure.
4:03
